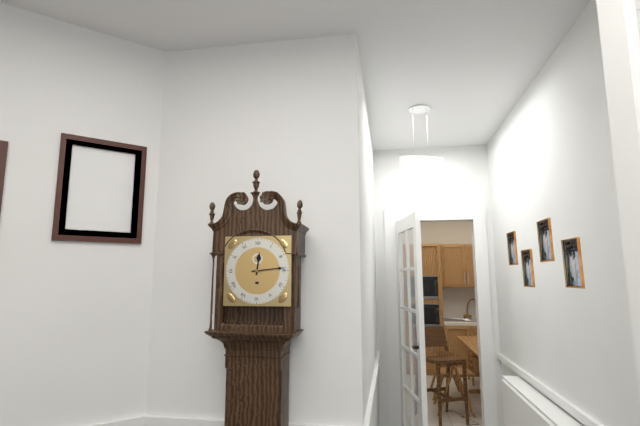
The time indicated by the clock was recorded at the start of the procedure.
12:14
